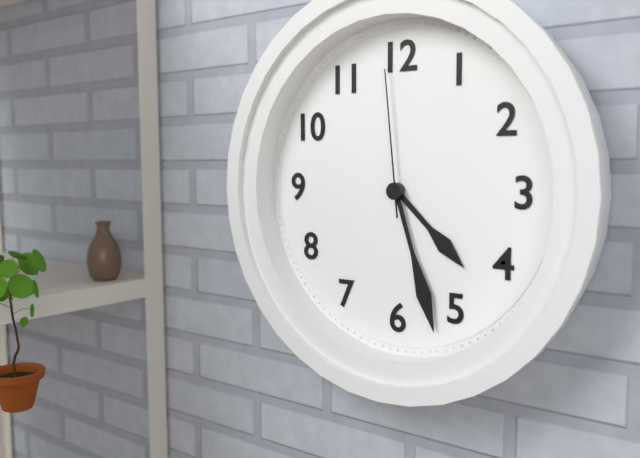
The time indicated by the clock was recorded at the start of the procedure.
4:27:59
